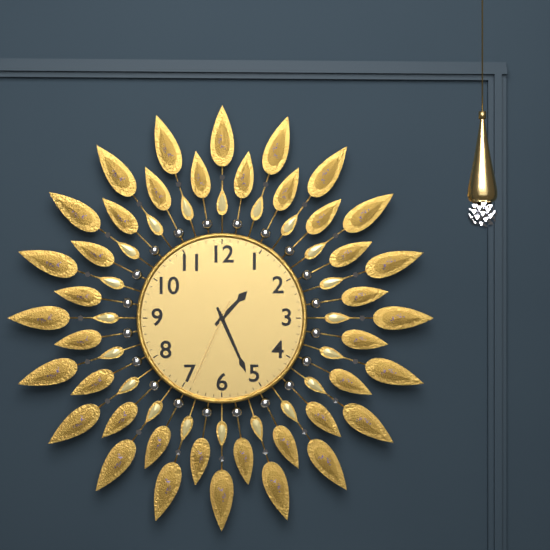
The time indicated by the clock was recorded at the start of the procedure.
1:26:34
